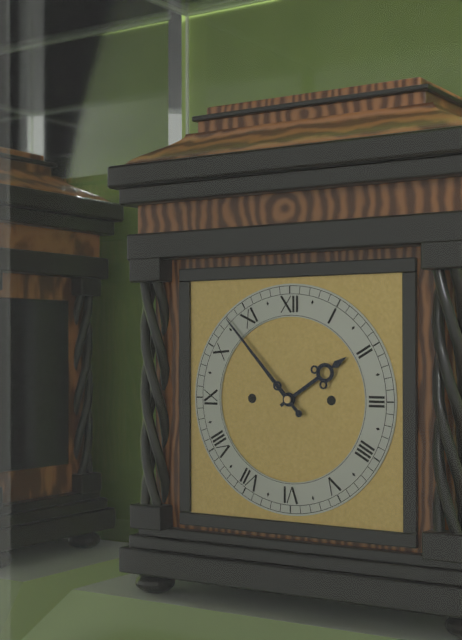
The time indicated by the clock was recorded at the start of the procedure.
1:53
